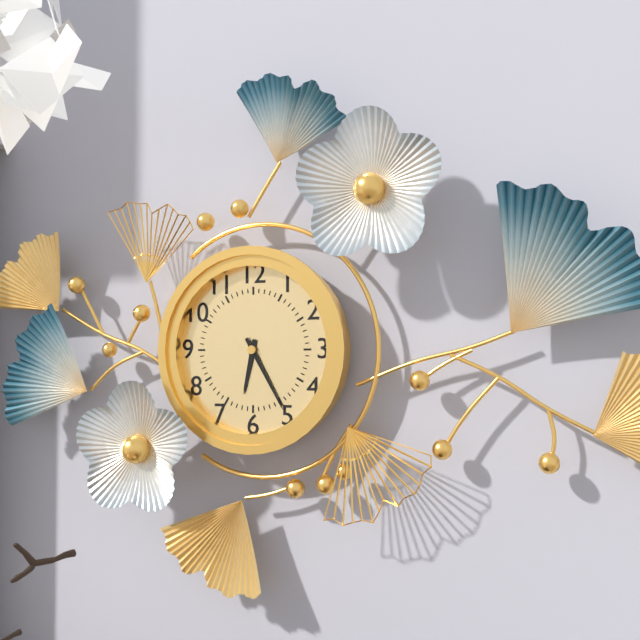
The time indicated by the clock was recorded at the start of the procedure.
6:25
